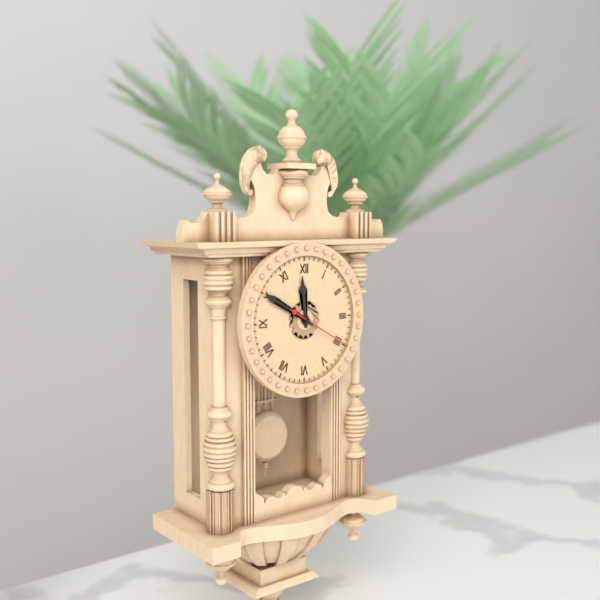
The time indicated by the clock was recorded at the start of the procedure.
11:50:20
